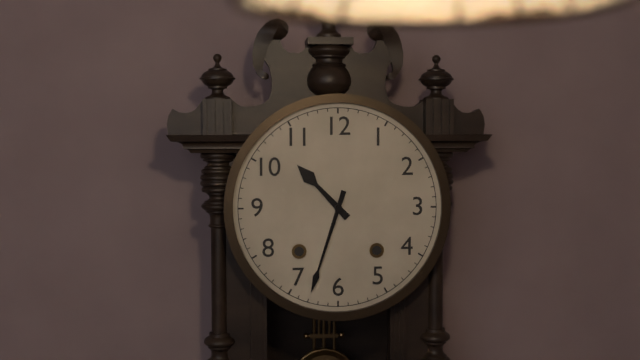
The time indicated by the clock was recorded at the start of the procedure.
10:33
